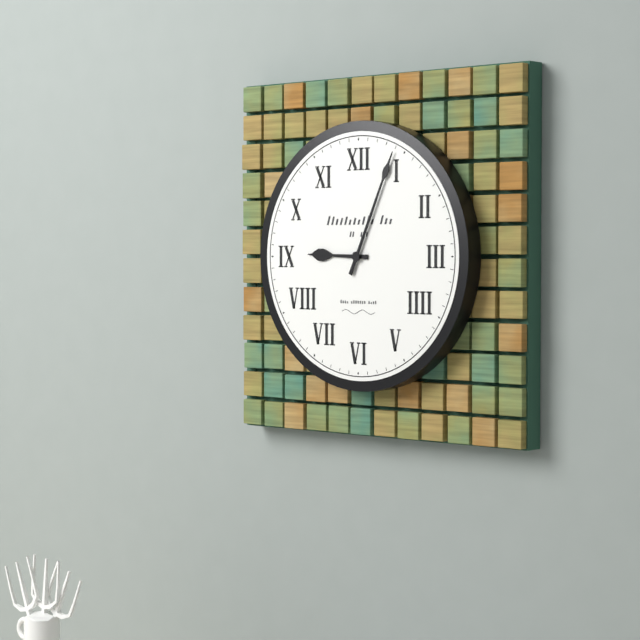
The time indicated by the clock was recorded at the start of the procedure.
9:04
